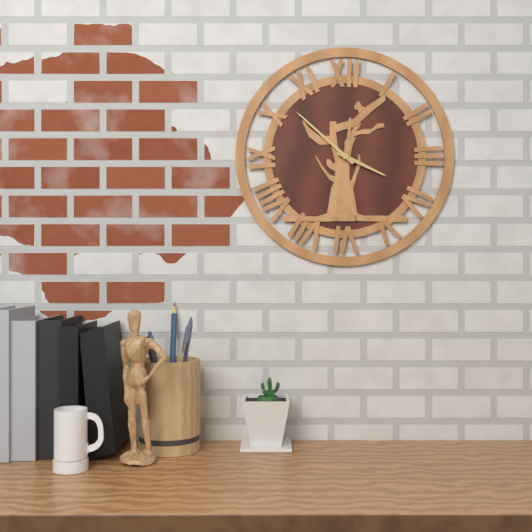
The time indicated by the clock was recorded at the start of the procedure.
3:52
